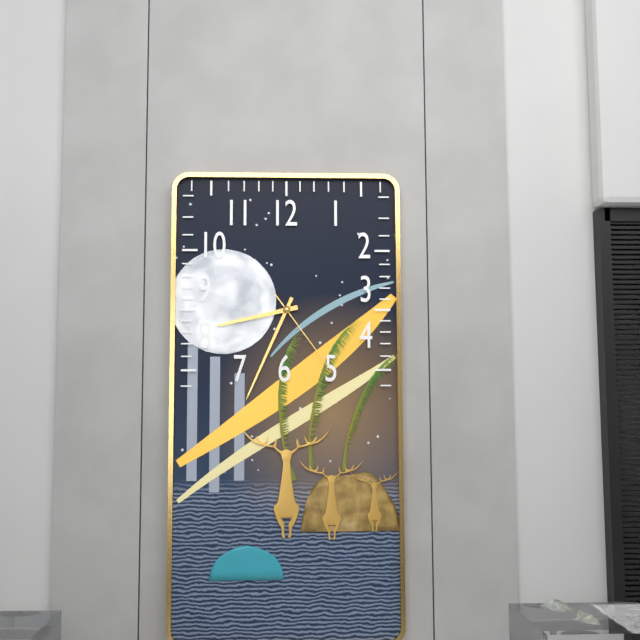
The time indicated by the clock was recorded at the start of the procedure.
8:34:24
